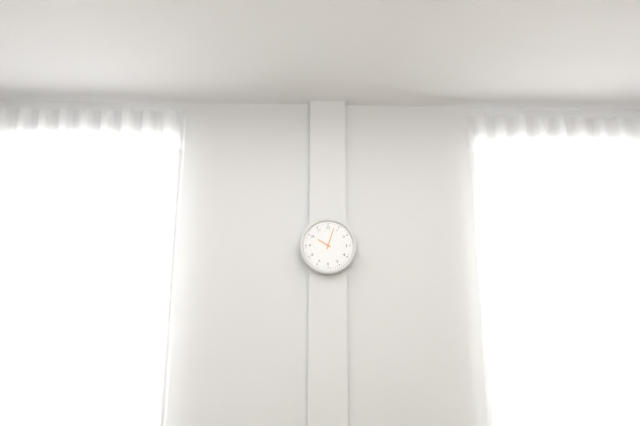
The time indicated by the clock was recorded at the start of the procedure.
10:03
